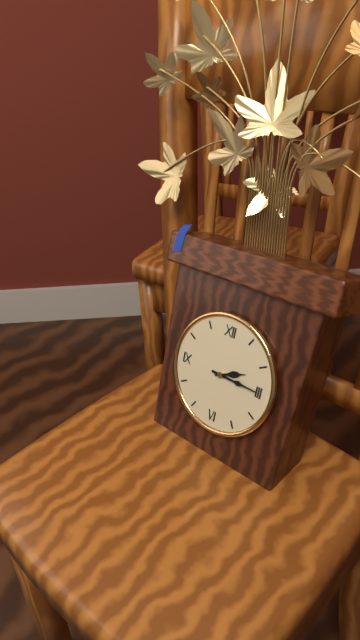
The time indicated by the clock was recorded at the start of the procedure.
2:15
